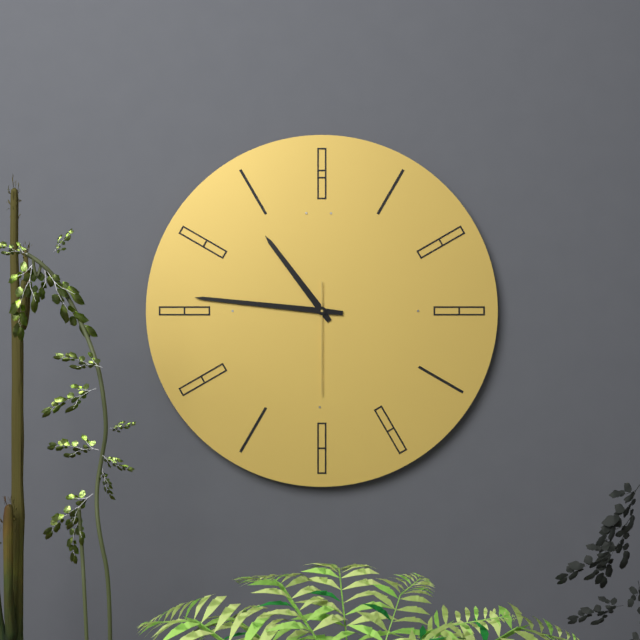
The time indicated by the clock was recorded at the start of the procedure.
10:46:30
